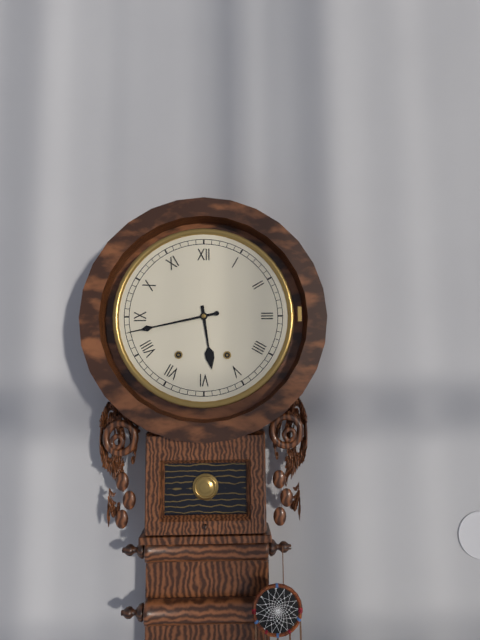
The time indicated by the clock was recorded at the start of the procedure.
5:43
